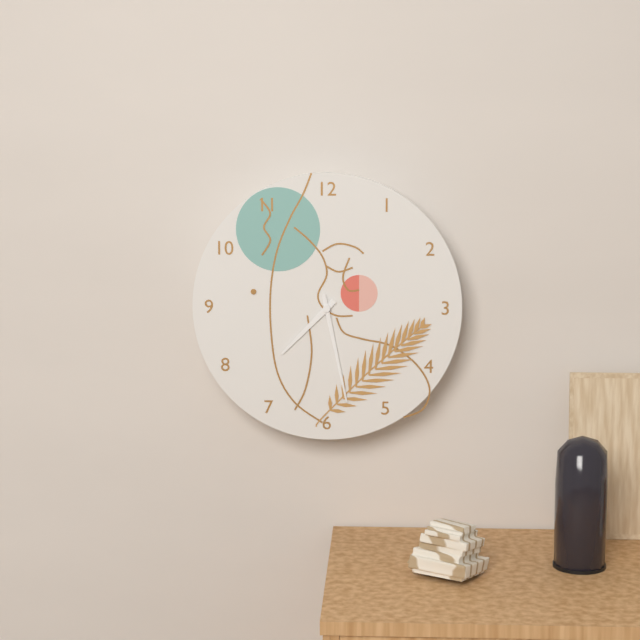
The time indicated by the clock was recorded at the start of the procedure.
7:28
